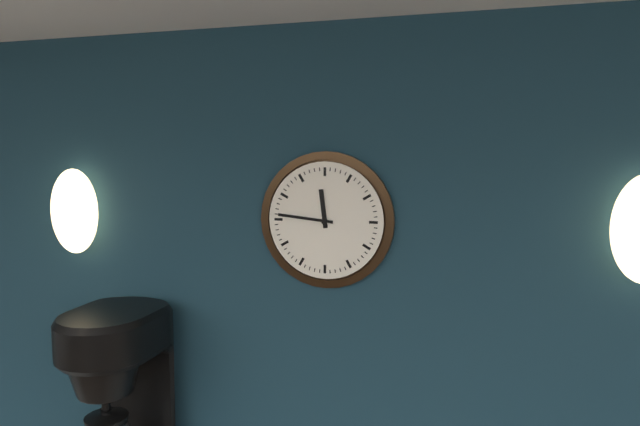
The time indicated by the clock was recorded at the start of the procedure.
11:46
